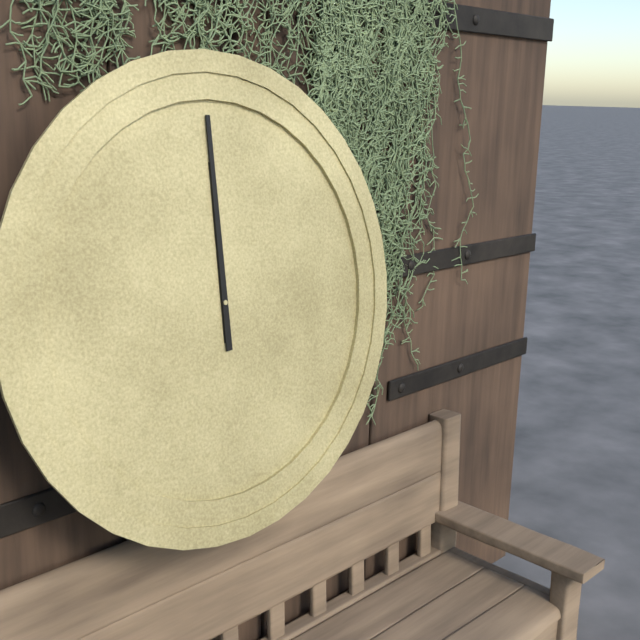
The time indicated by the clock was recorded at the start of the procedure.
12:00
